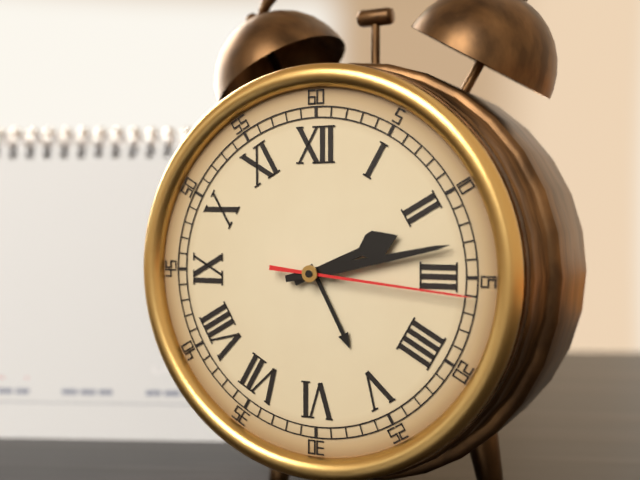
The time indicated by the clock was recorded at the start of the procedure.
2:13:16
